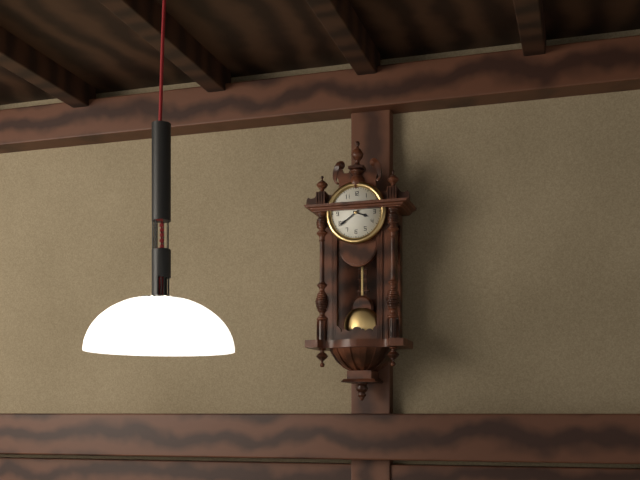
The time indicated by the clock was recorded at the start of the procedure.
3:39
